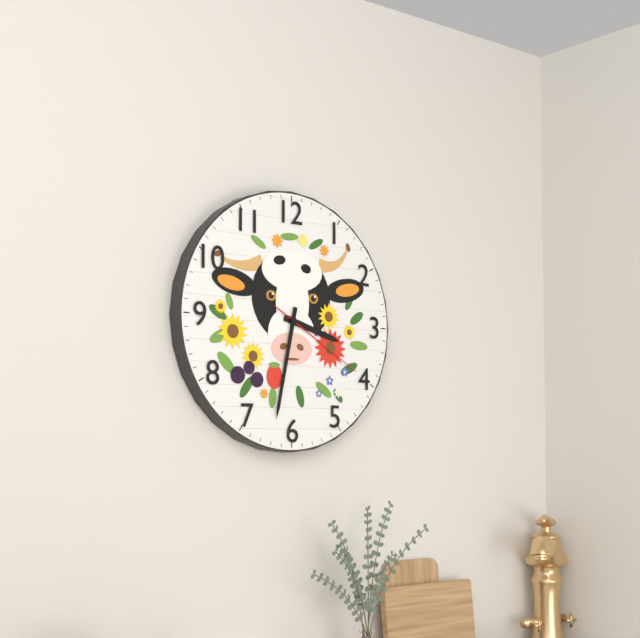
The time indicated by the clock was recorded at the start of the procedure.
3:32:20
